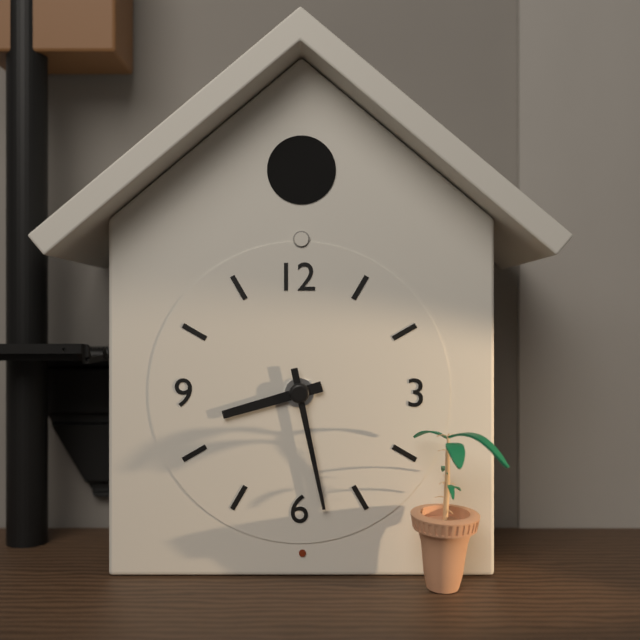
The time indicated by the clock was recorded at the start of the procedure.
8:28
